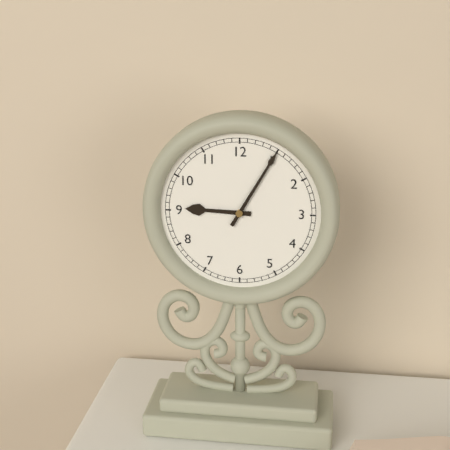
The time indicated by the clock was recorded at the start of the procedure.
9:05
